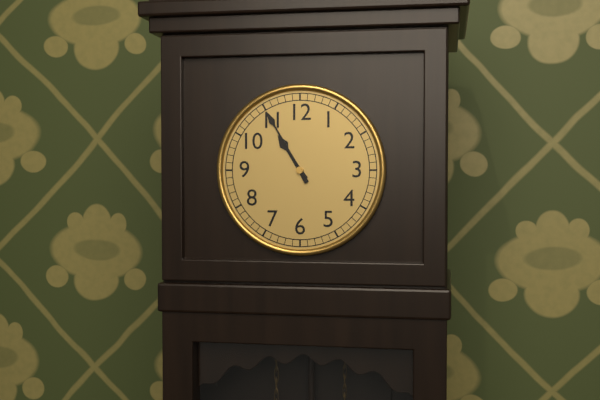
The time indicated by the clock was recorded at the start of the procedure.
10:55
